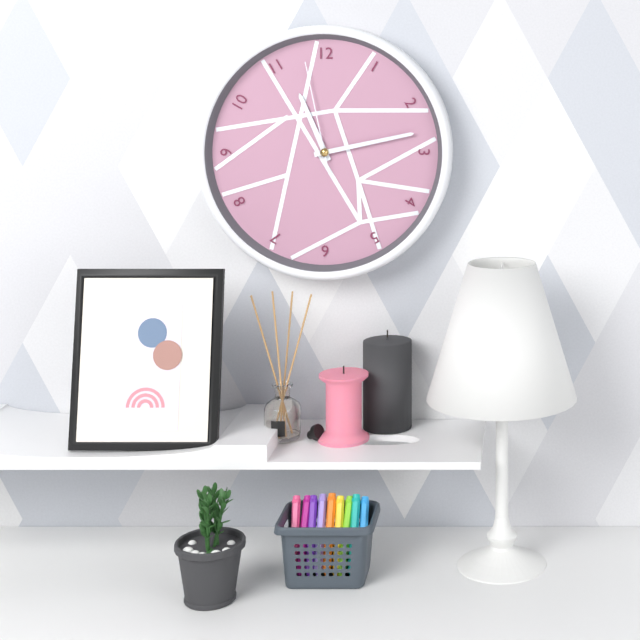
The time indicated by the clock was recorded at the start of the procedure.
11:13:58
